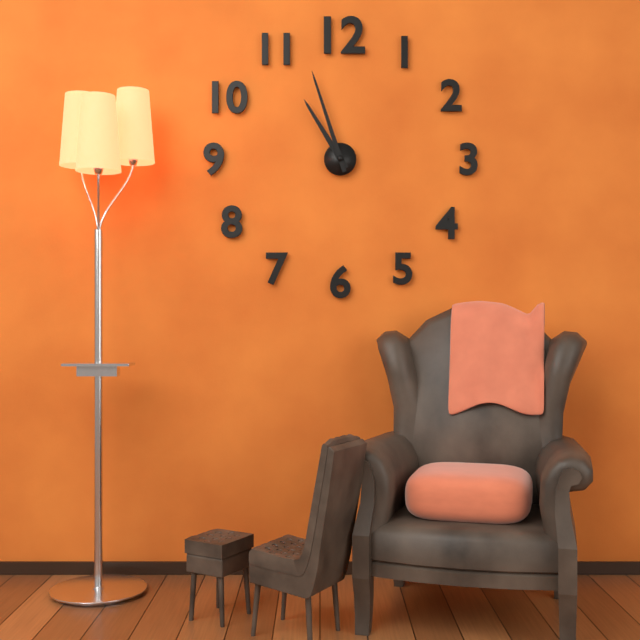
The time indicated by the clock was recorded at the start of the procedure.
10:57
